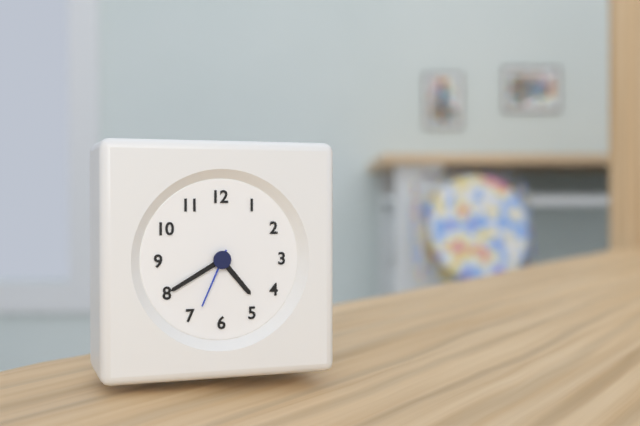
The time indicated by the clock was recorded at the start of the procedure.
4:40:34
